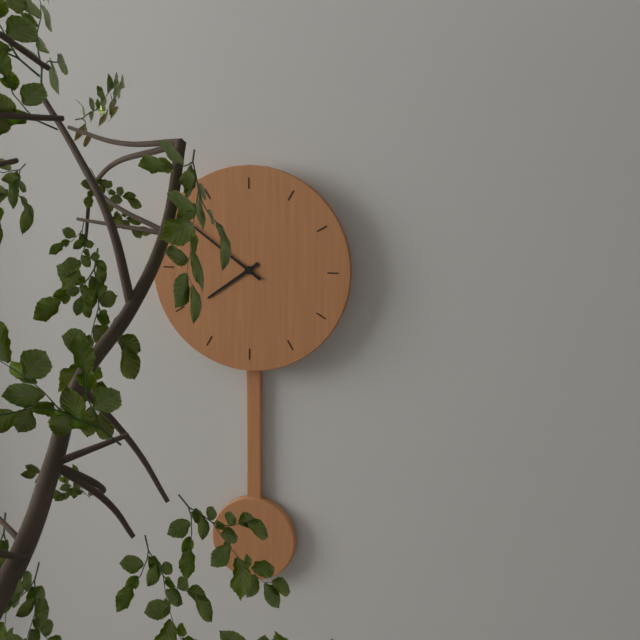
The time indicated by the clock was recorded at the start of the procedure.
7:51
